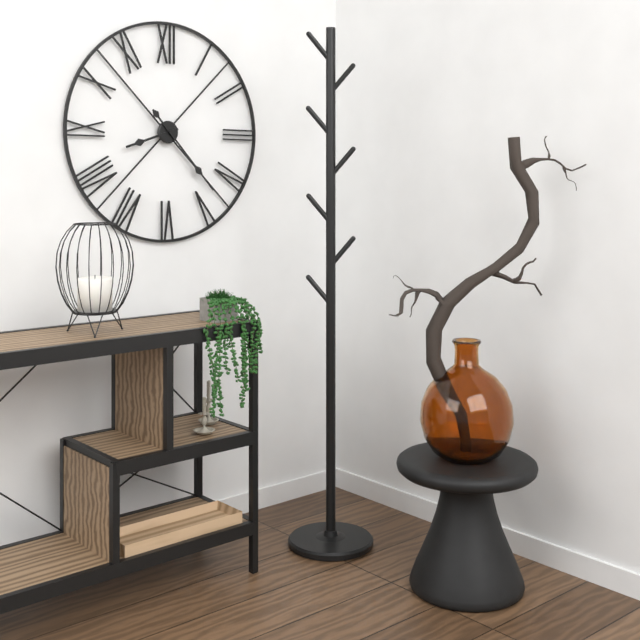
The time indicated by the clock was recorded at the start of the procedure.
8:23
